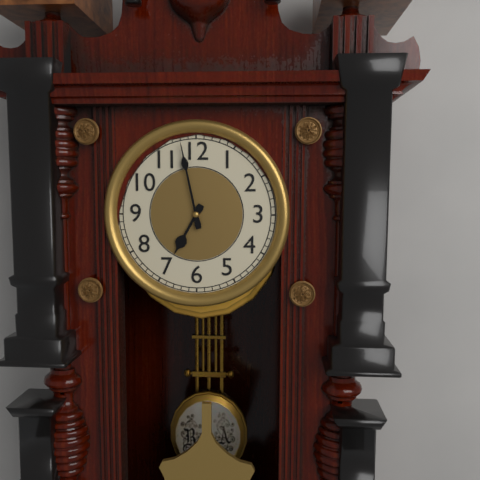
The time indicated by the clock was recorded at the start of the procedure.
6:58
